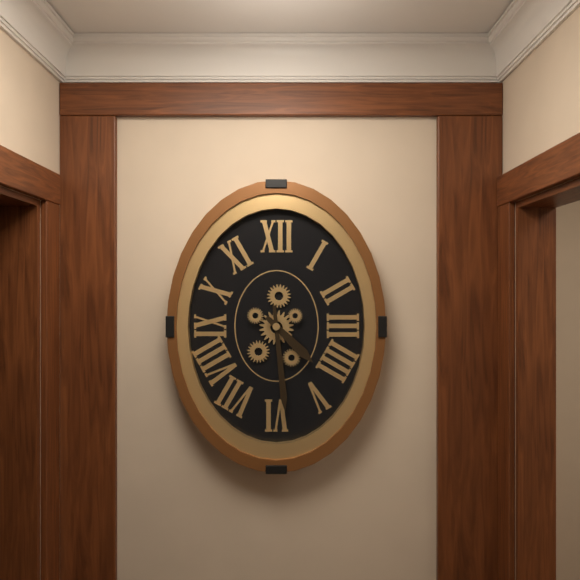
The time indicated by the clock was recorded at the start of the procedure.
4:29
